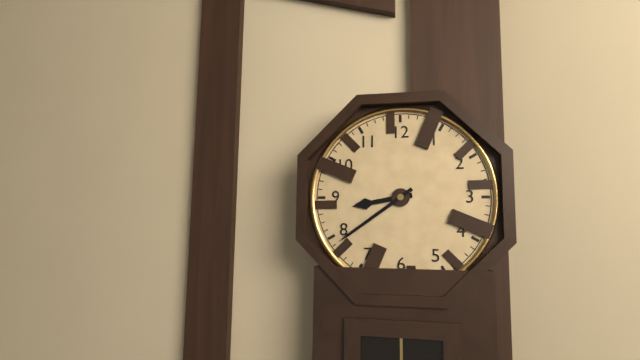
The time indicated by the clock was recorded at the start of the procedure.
8:39
